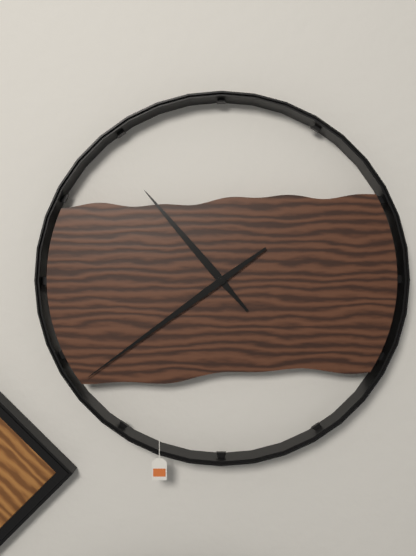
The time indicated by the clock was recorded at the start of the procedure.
10:39
